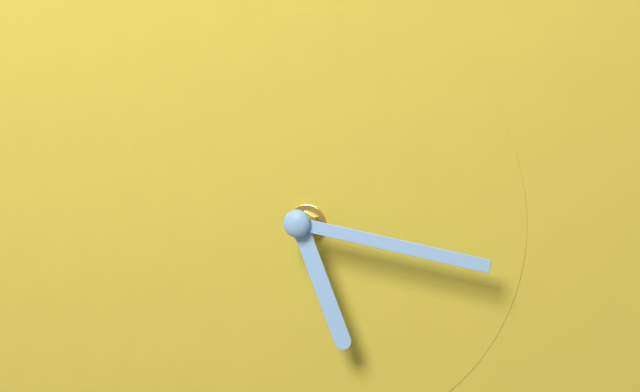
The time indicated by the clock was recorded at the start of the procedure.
5:17
